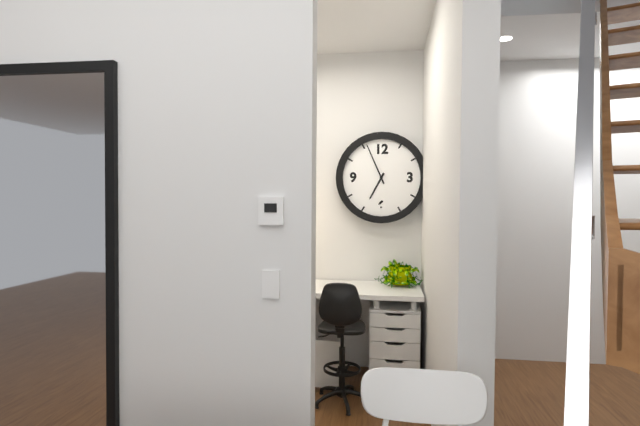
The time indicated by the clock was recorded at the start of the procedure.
6:56
